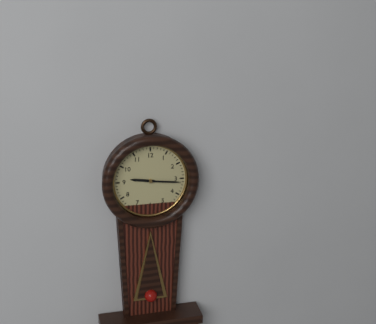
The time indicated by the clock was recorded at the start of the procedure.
9:16
